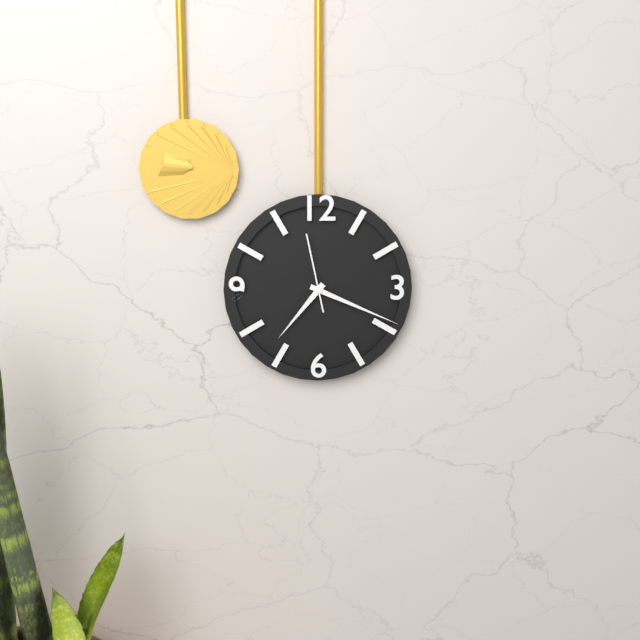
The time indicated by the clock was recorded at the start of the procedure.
7:19:58
